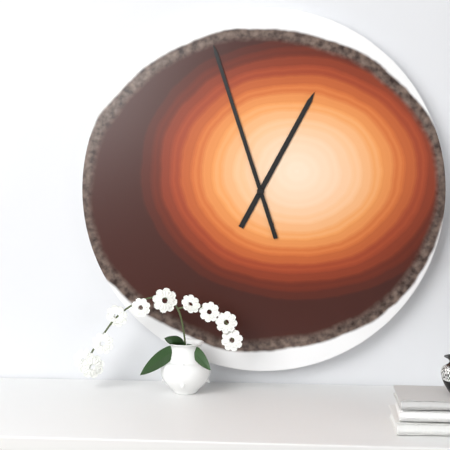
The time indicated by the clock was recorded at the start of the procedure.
12:57
